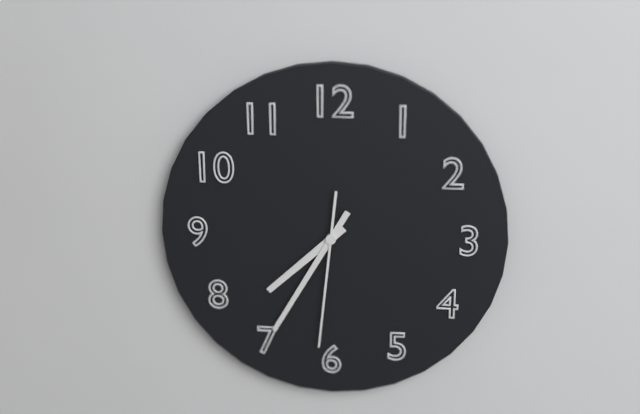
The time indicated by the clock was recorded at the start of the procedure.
7:35:31
